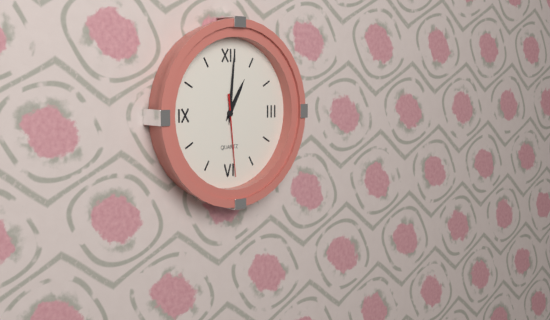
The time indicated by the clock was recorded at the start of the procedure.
1:01:29
